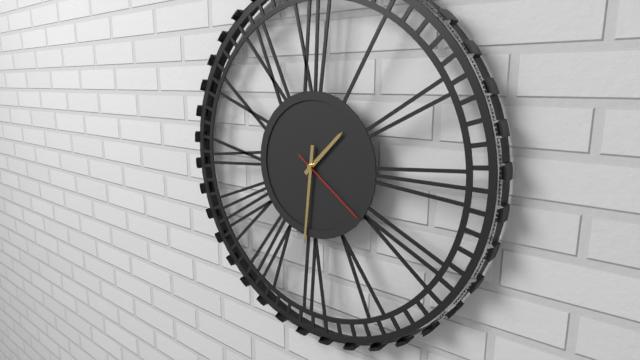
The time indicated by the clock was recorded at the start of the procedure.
1:31:21
